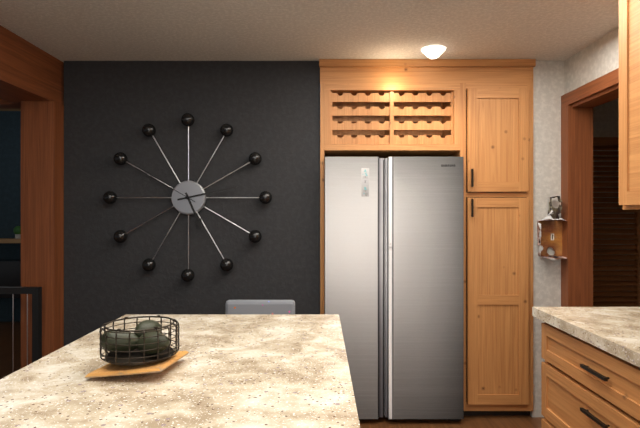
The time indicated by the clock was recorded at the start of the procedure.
5:13:50
